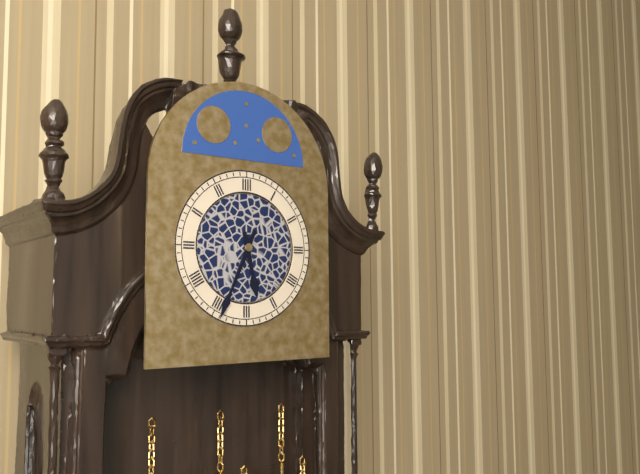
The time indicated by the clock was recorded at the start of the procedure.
5:34
